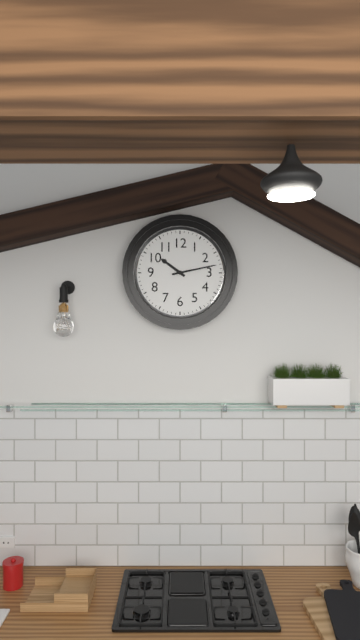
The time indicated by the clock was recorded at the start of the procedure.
10:13
